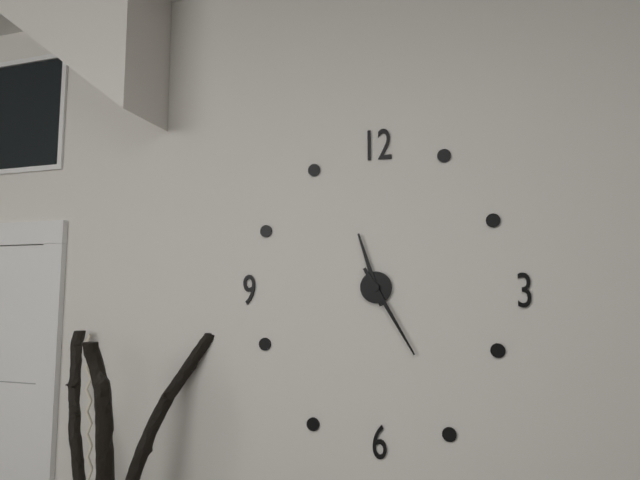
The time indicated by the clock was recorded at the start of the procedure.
11:25
